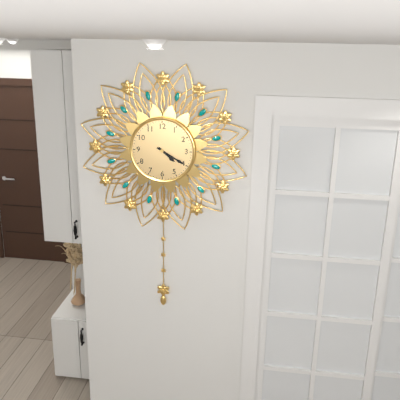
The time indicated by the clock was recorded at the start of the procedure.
4:20
